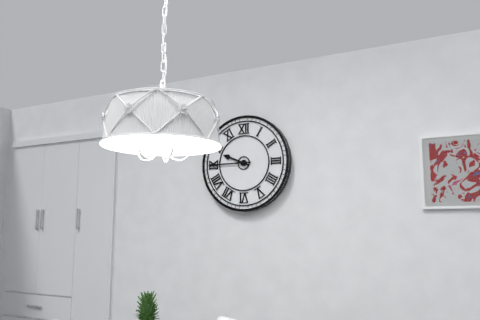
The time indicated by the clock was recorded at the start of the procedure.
9:45
